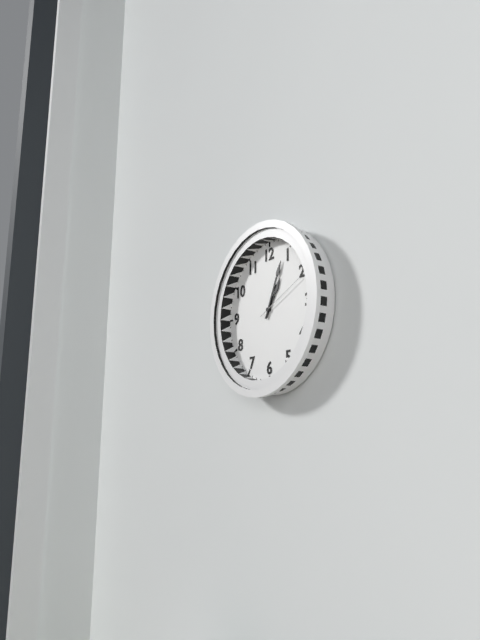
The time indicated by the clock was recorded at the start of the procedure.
1:04:11
